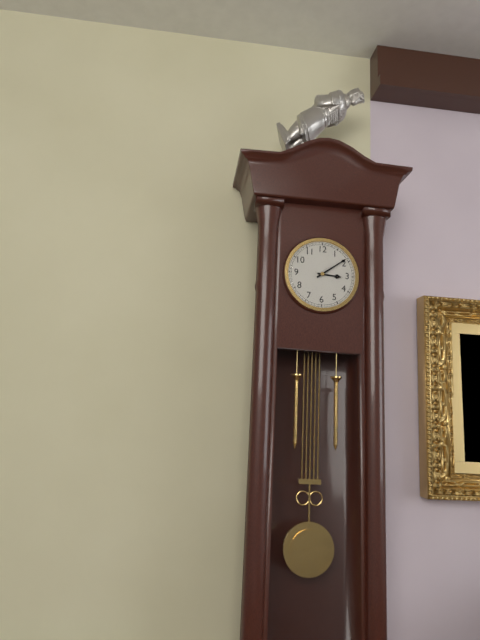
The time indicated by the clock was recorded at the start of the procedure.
3:09
